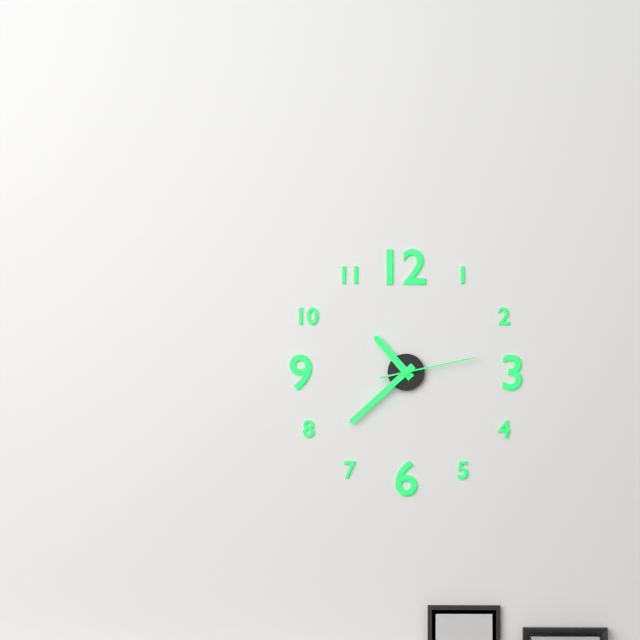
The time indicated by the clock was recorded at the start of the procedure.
10:38:13
